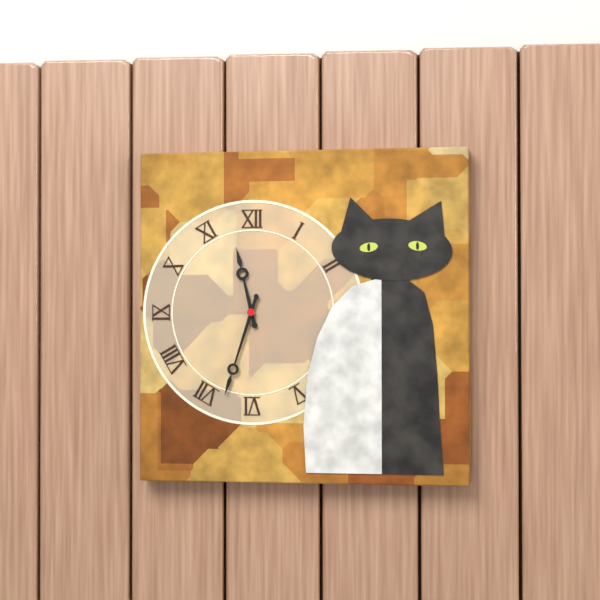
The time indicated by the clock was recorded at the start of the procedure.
11:33
